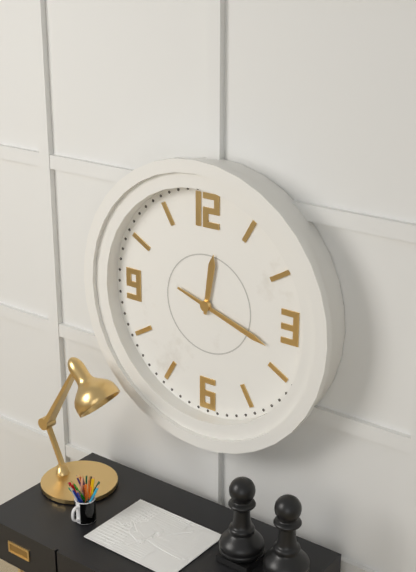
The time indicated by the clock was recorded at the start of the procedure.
12:18
